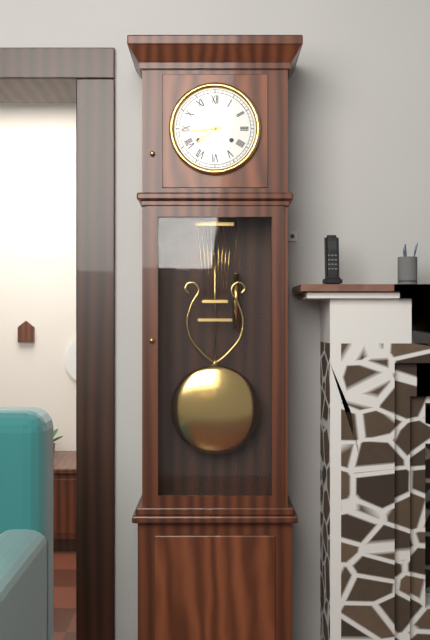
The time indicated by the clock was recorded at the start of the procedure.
7:44
